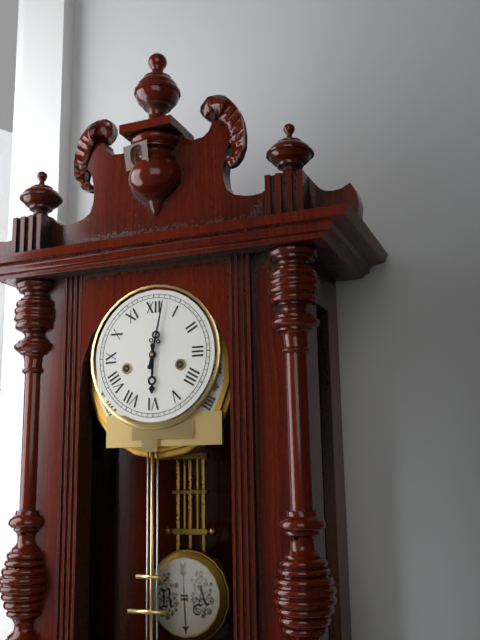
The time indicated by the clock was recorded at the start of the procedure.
6:02
